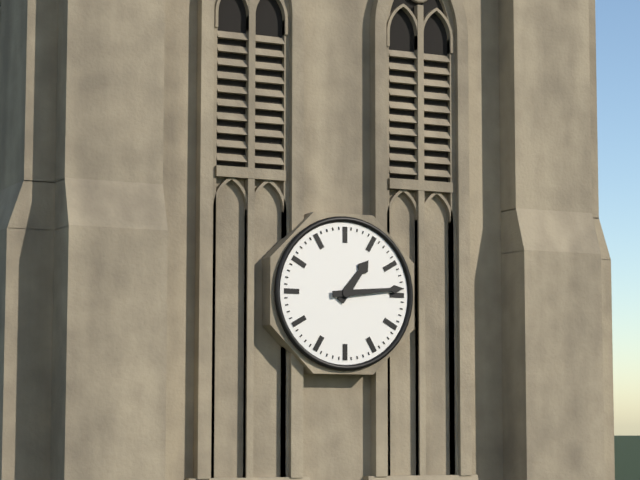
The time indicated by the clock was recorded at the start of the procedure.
1:14
